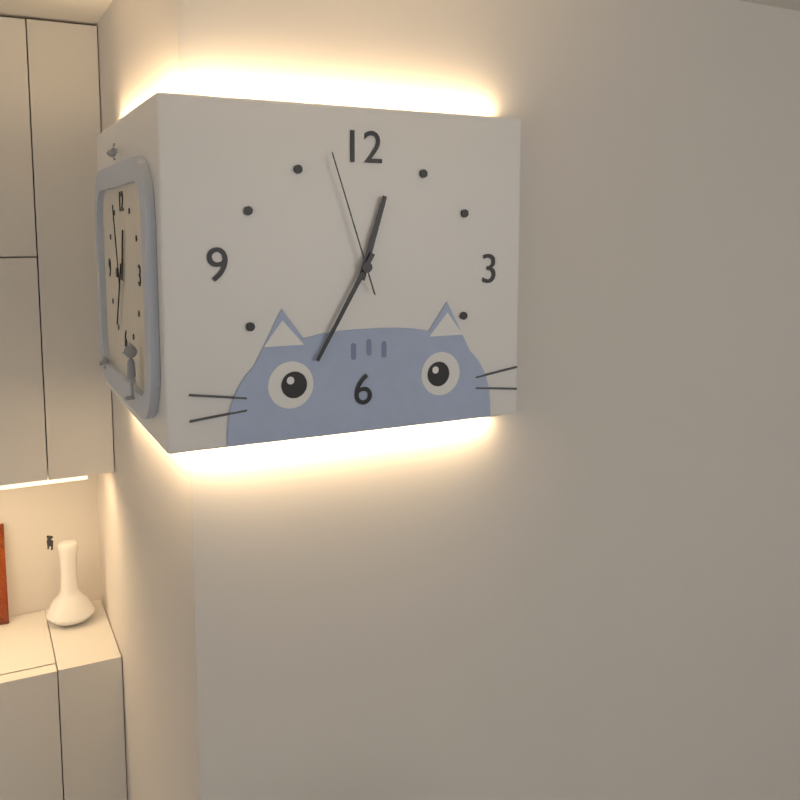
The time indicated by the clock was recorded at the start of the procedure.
12:35:57
